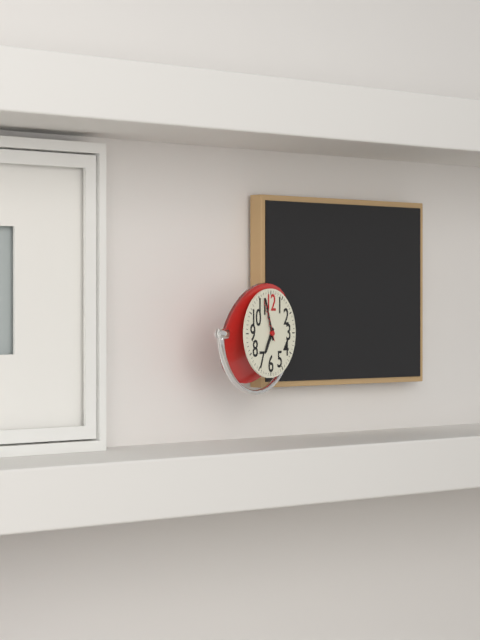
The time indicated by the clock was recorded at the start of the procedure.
6:57
